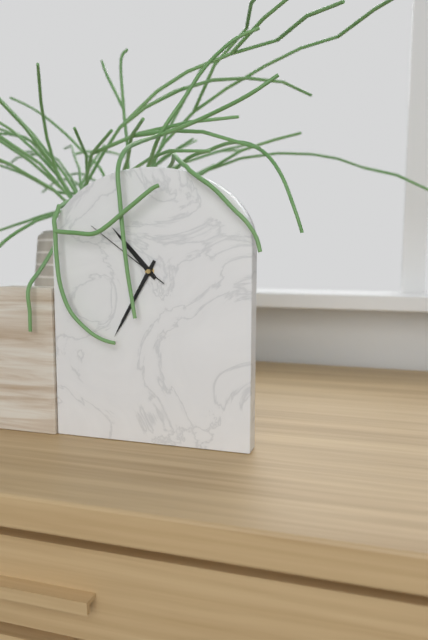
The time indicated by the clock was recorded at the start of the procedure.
10:35:51
